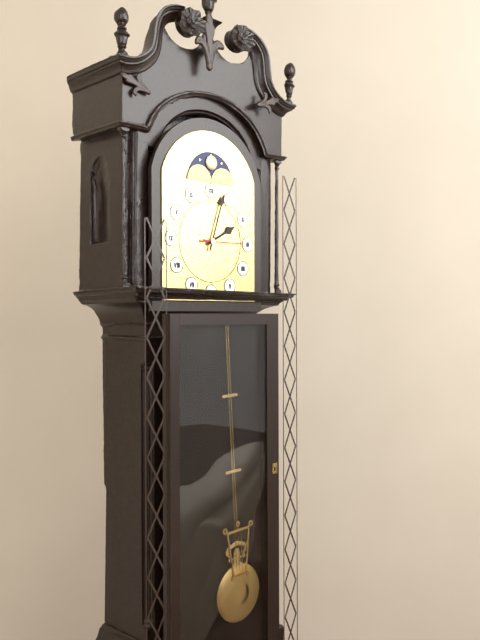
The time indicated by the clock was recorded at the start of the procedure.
2:03
